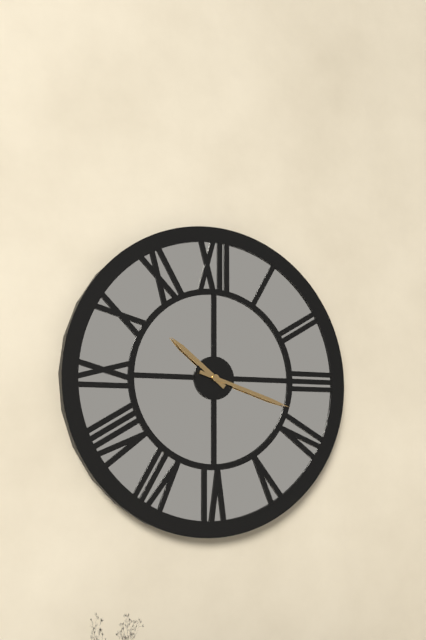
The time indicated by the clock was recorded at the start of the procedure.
10:18
